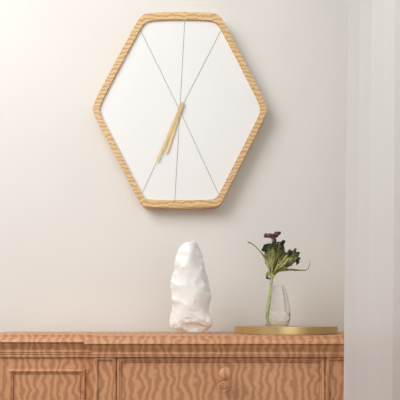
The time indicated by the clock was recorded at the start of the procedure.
6:34
